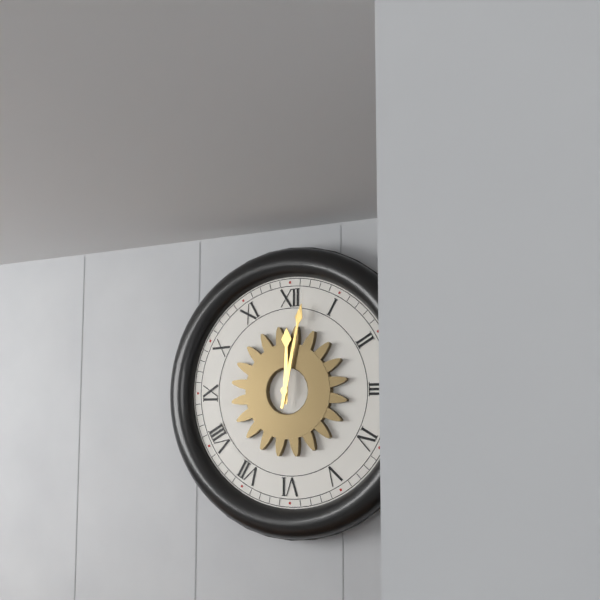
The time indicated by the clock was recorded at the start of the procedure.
12:02
